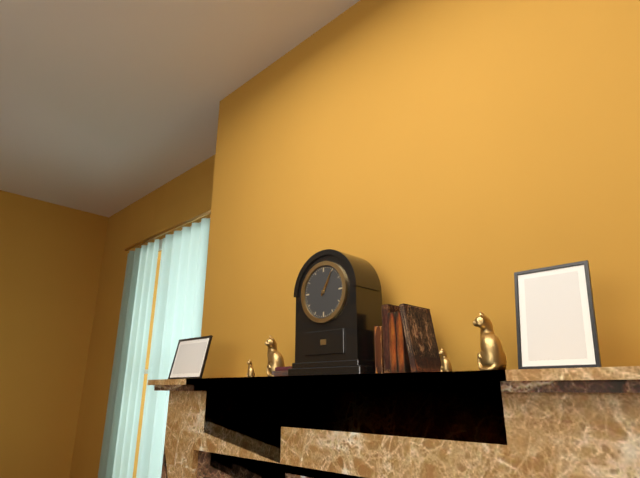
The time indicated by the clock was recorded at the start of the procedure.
1:05
